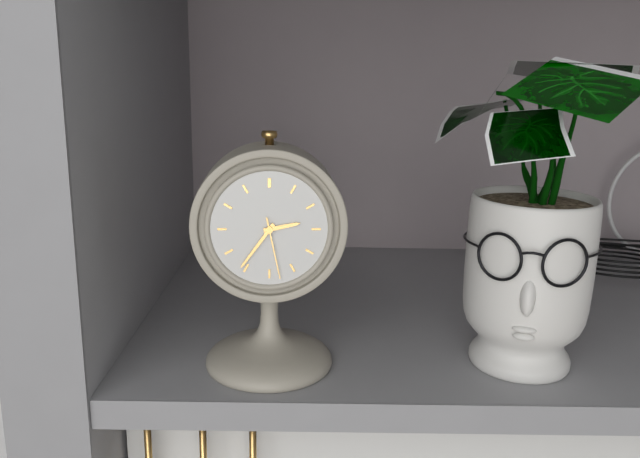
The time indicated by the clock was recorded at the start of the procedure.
2:36:28
